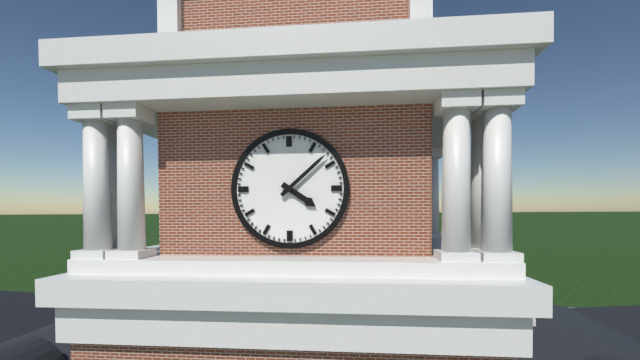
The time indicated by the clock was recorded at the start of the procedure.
4:08
